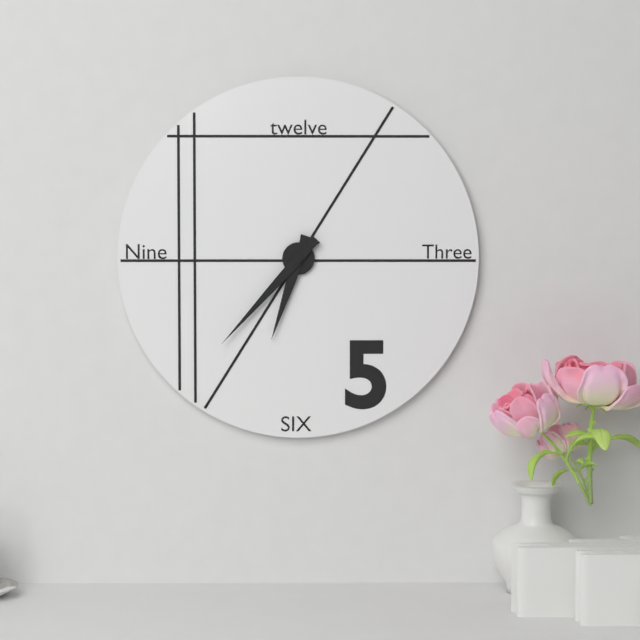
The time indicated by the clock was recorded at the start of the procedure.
6:37
